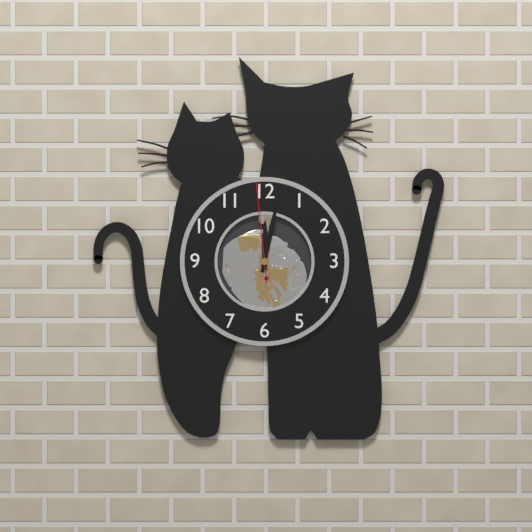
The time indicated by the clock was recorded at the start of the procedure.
12:02:59
